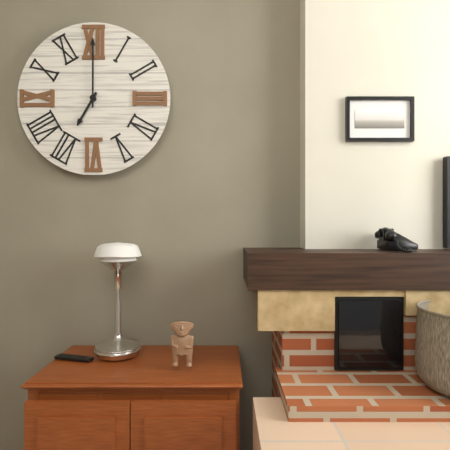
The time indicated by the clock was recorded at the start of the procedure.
7:00
